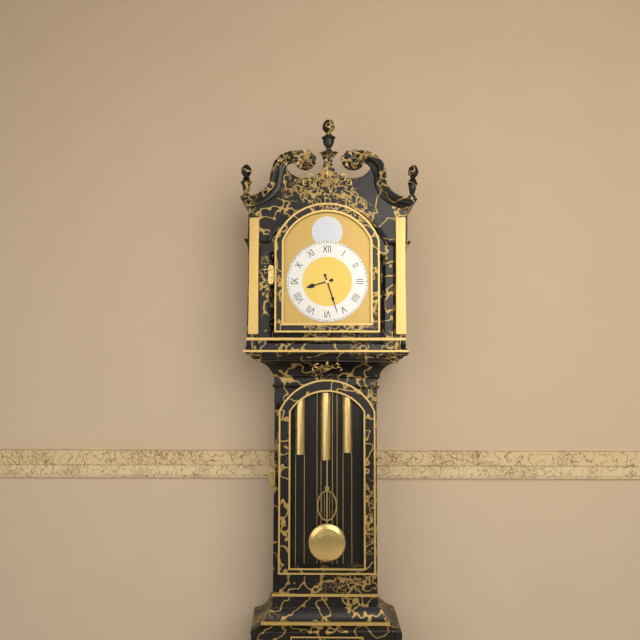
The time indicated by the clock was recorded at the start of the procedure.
8:27
